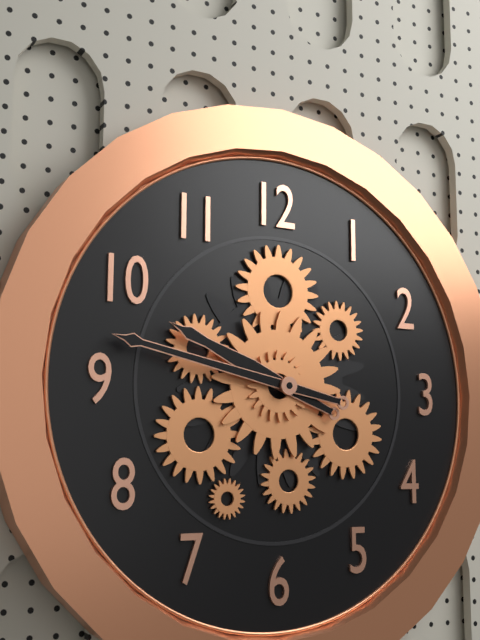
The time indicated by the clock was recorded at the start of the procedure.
9:47
